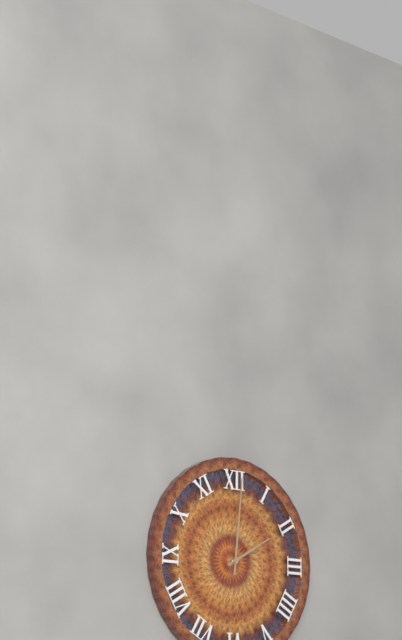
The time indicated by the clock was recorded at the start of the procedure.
2:01
